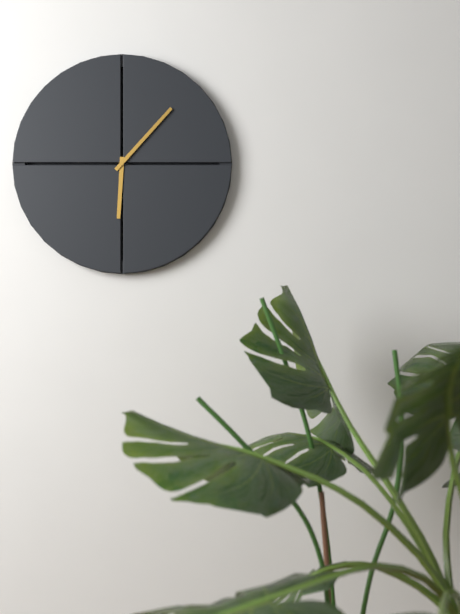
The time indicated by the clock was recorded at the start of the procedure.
6:07
